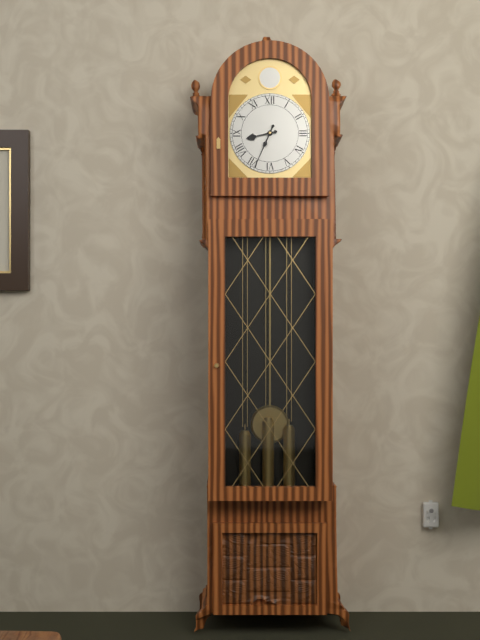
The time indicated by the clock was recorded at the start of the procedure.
8:34
